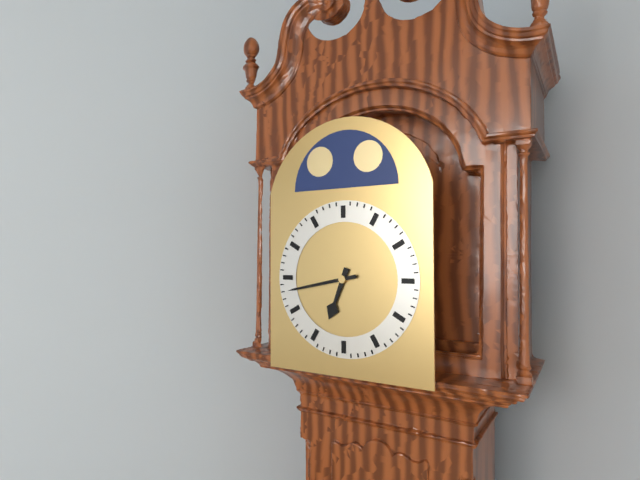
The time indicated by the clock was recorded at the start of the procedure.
6:43
